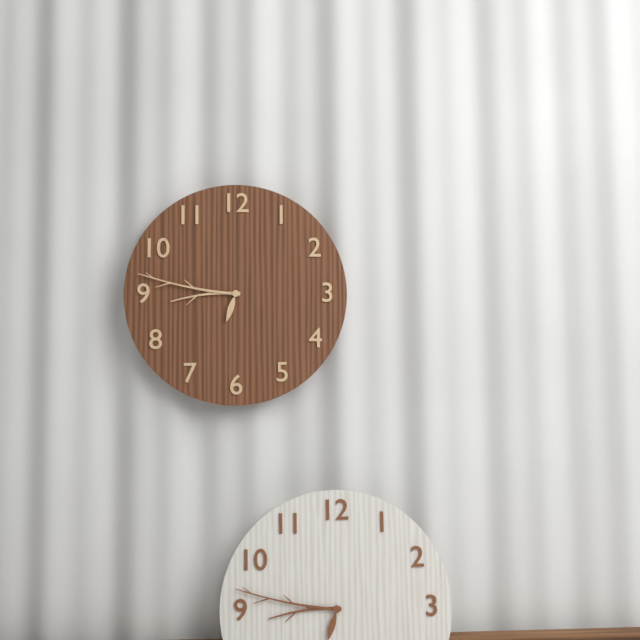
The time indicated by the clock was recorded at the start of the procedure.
8:47
